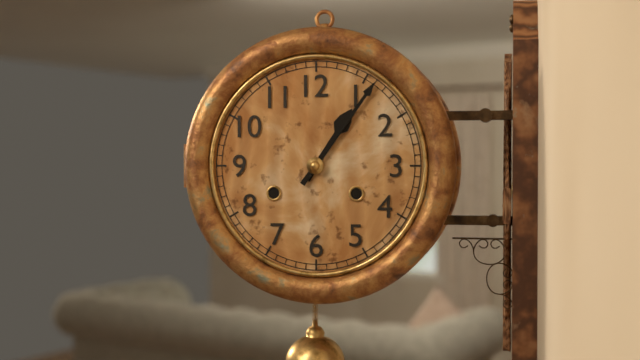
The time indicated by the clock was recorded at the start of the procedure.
1:06
